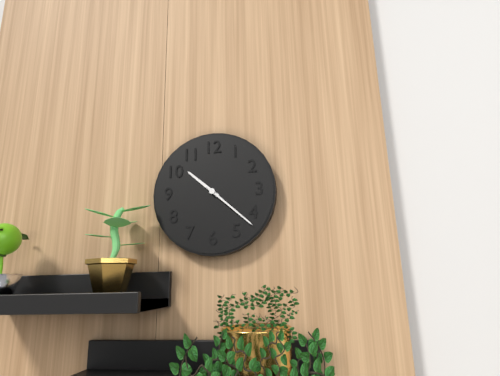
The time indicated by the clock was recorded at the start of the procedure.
10:22
